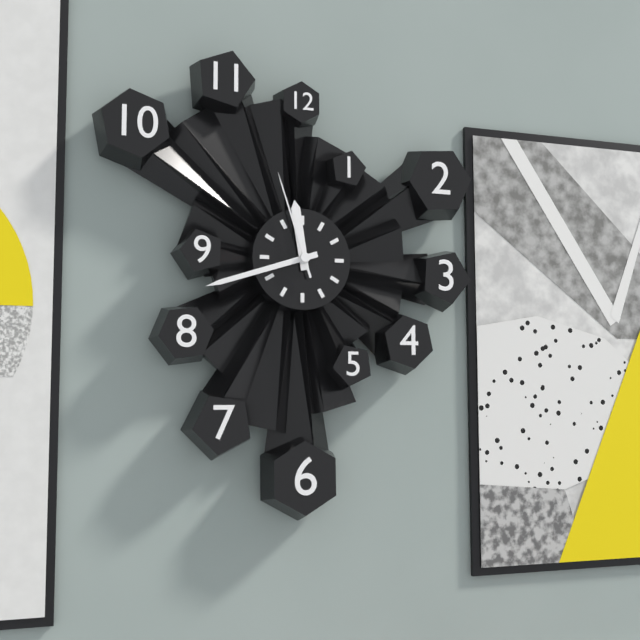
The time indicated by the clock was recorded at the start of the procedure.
11:42:57
